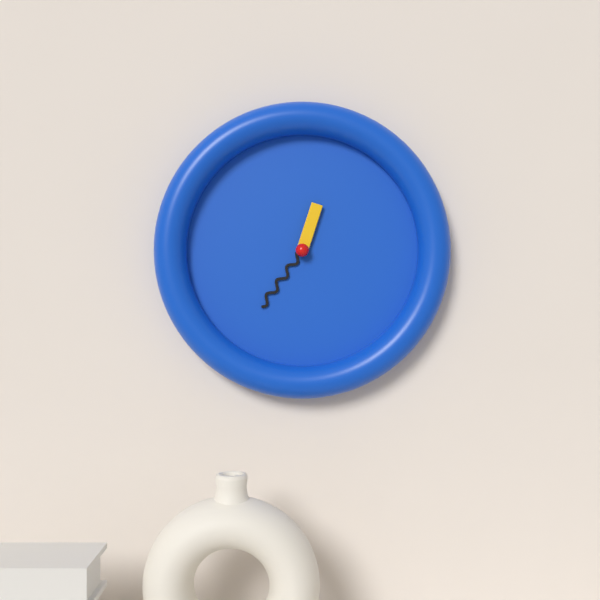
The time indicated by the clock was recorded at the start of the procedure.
12:36
